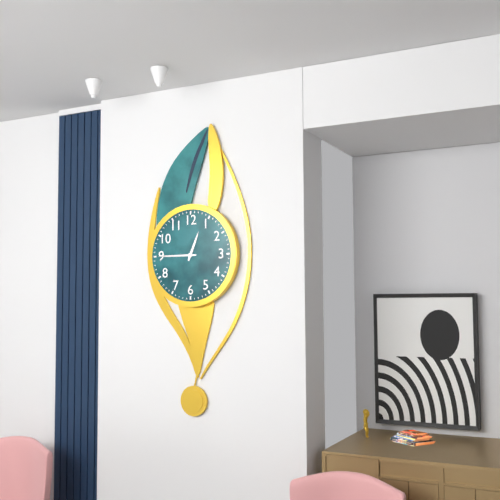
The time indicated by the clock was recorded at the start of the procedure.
12:45
